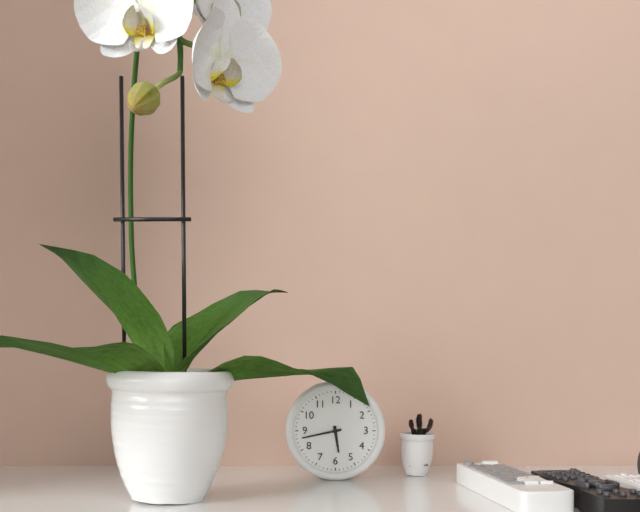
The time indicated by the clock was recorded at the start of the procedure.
5:43
